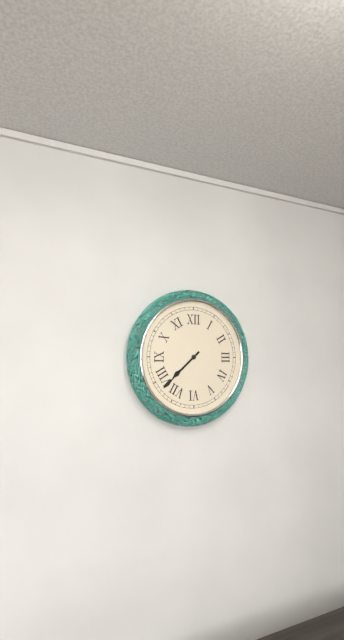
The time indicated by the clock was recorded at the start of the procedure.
7:38
